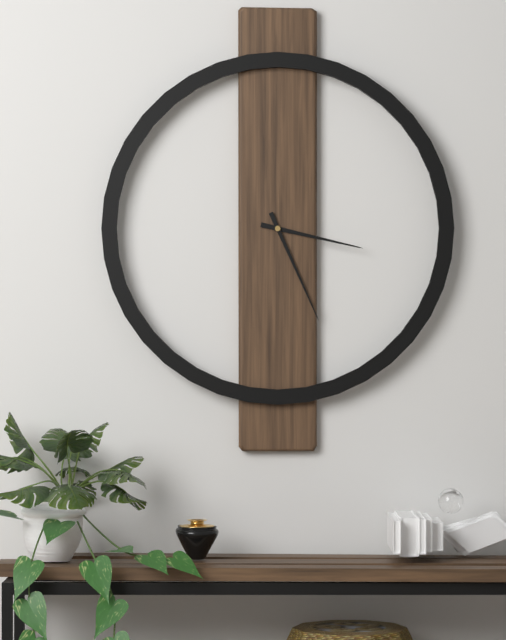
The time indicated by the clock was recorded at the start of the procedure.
3:26
